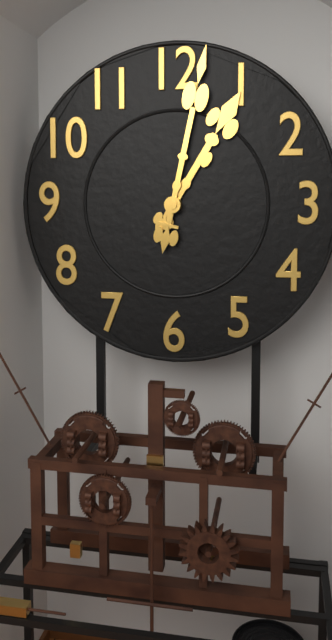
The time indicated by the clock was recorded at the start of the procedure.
1:02
